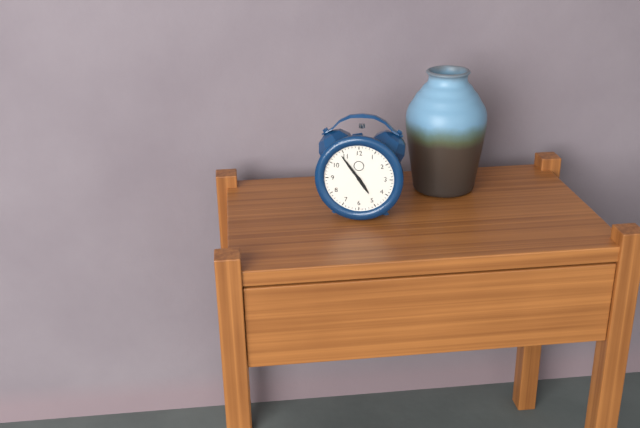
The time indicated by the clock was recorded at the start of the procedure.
4:54
